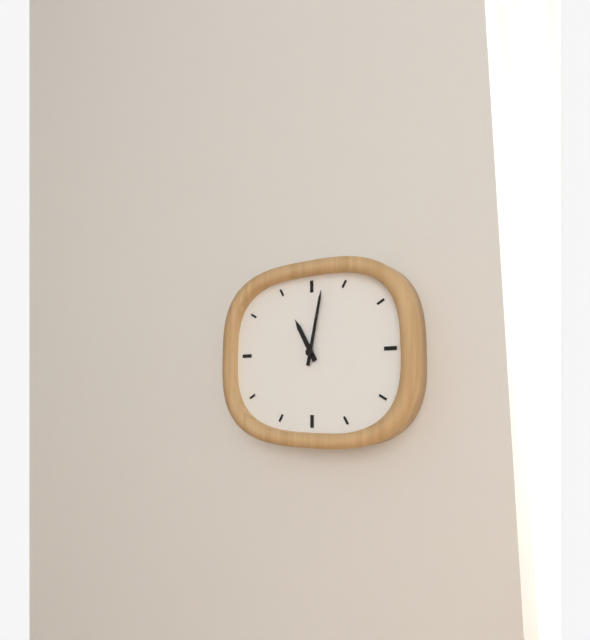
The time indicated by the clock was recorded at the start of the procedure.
11:02
